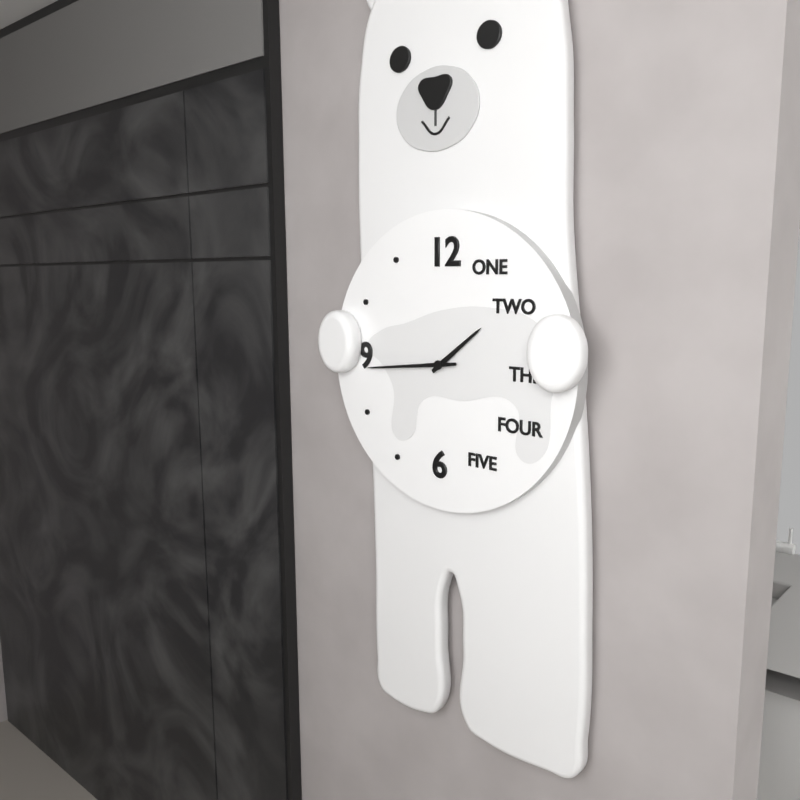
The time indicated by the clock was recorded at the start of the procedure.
1:44
